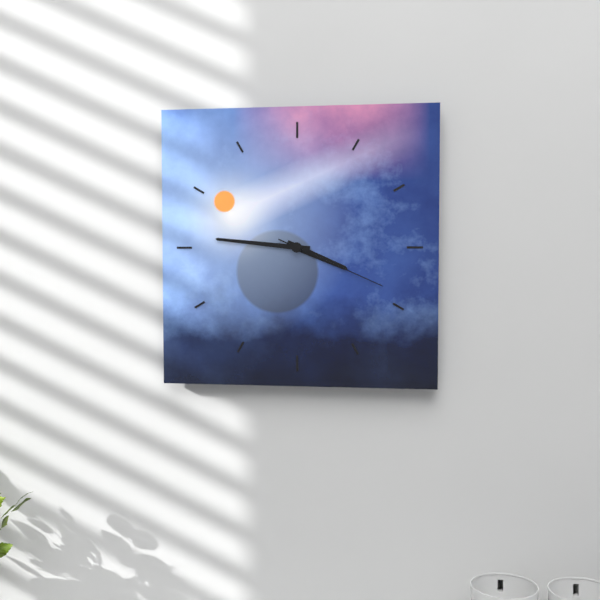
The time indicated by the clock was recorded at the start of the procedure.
3:46:19
